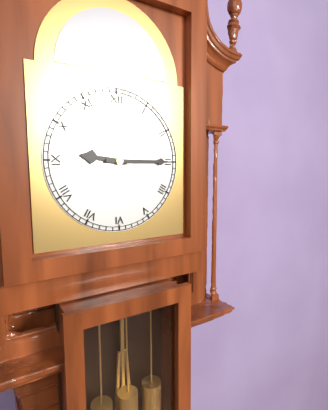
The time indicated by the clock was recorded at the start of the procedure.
9:15
